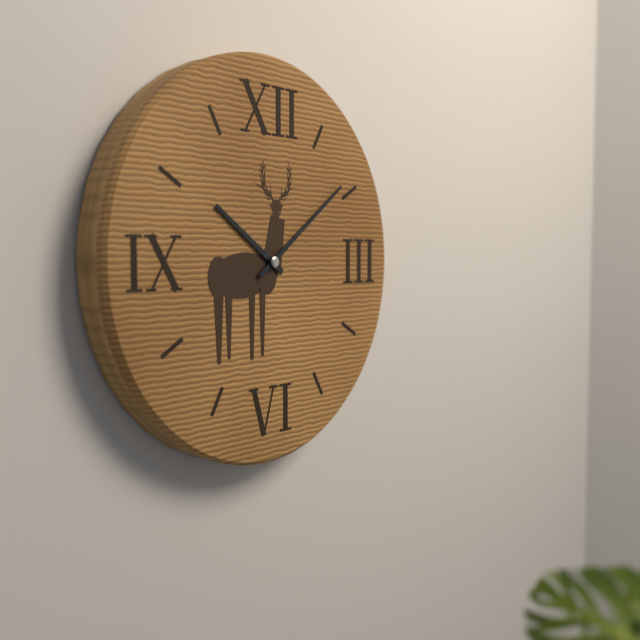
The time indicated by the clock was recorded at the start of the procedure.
10:09
